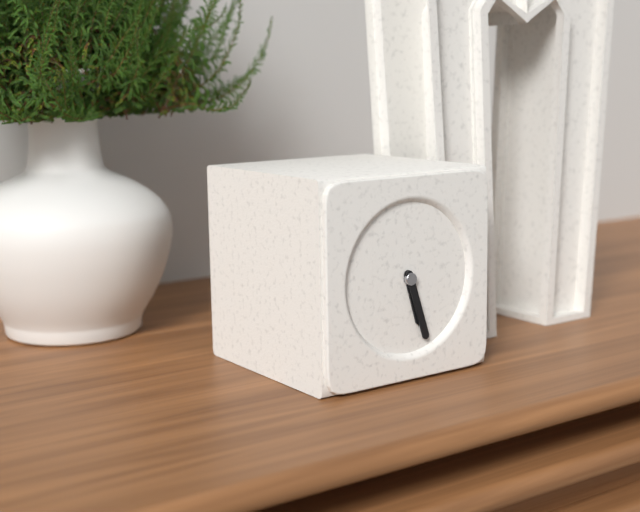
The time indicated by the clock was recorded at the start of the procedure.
5:27
